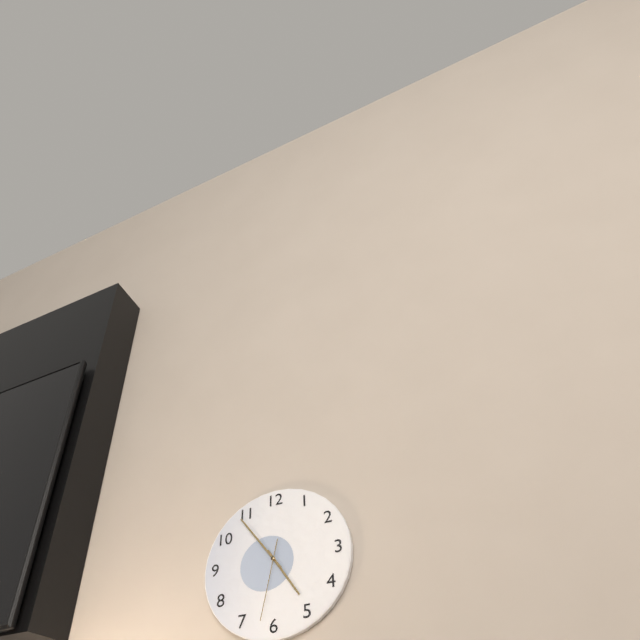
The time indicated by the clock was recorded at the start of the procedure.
4:54:32
